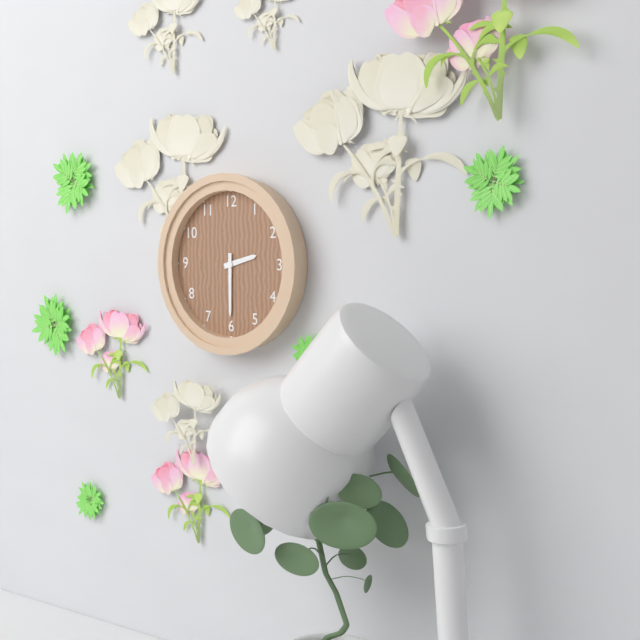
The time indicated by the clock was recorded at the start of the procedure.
2:30
